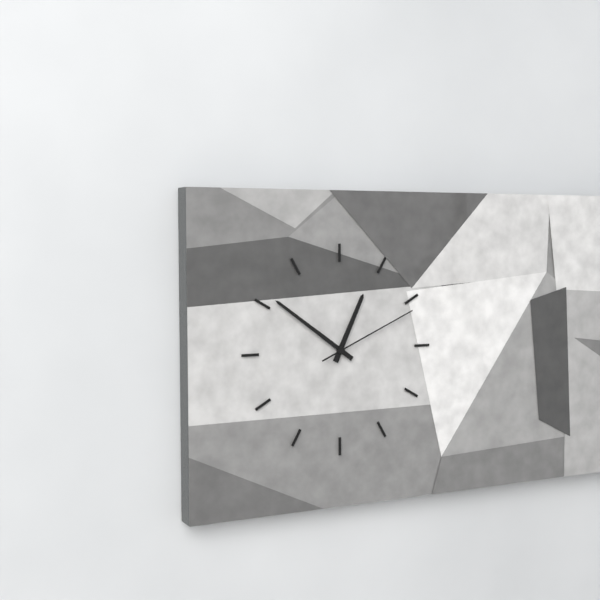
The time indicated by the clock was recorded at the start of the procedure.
12:51:11
